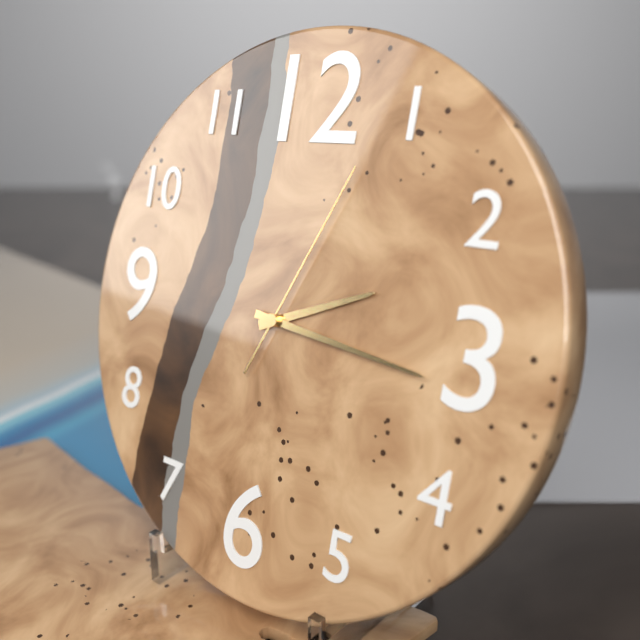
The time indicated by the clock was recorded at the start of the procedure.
2:16:04
